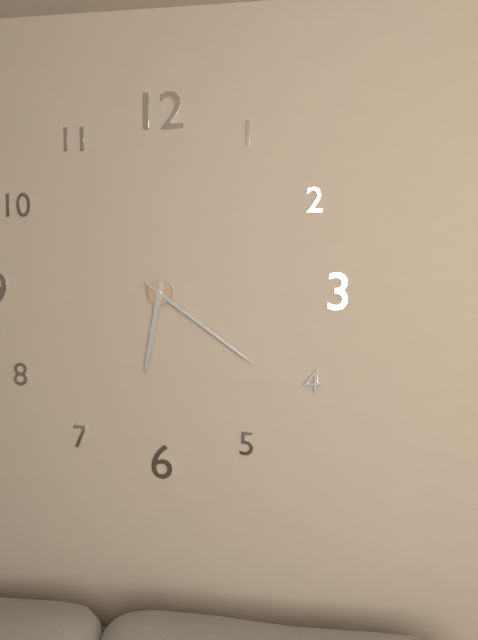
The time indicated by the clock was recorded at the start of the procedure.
6:21
